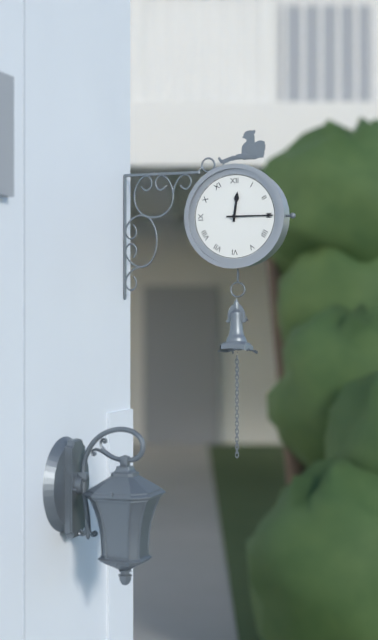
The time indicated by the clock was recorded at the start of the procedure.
12:15
